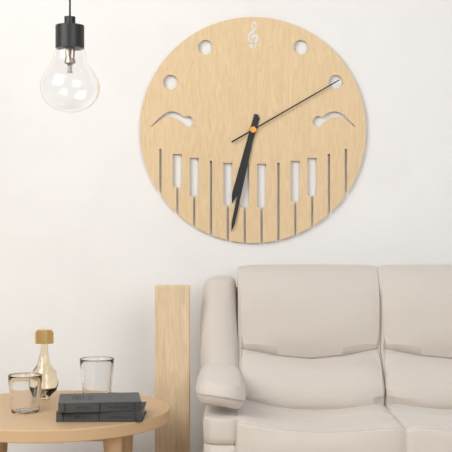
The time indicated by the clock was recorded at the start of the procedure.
6:32:10
